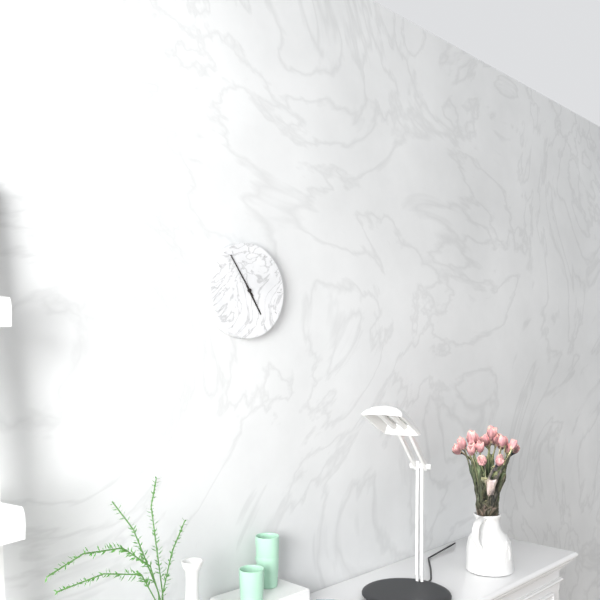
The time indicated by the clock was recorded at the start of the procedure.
4:54
